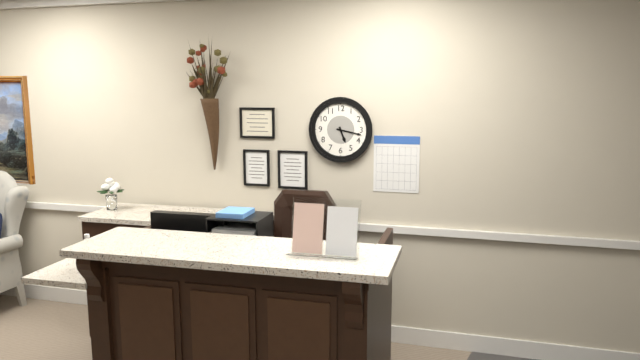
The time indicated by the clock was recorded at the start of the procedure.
5:17
